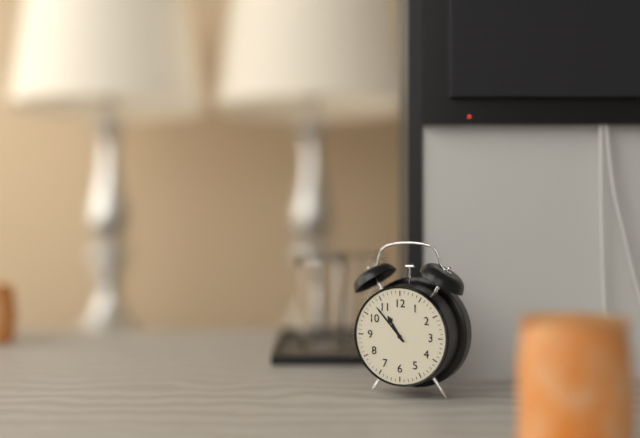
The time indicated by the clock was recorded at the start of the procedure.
10:53
